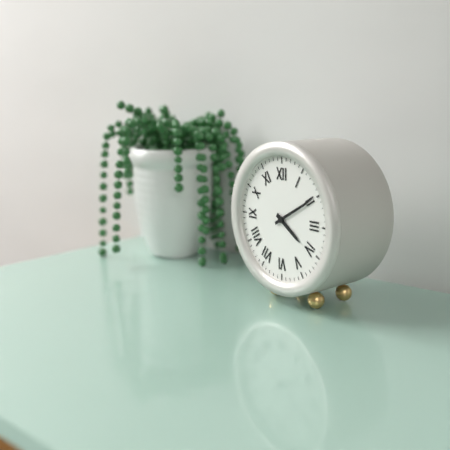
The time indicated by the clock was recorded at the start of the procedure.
4:10
